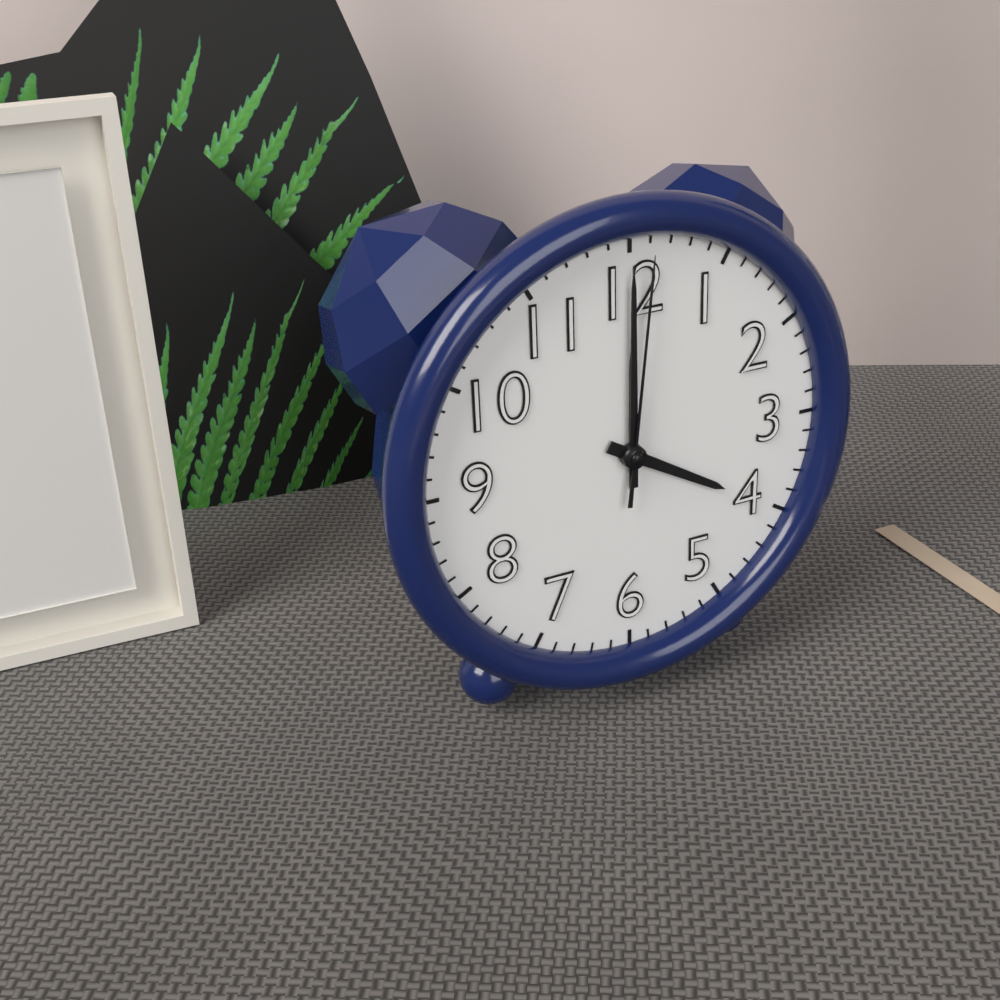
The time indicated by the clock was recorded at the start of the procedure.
4:00:01
